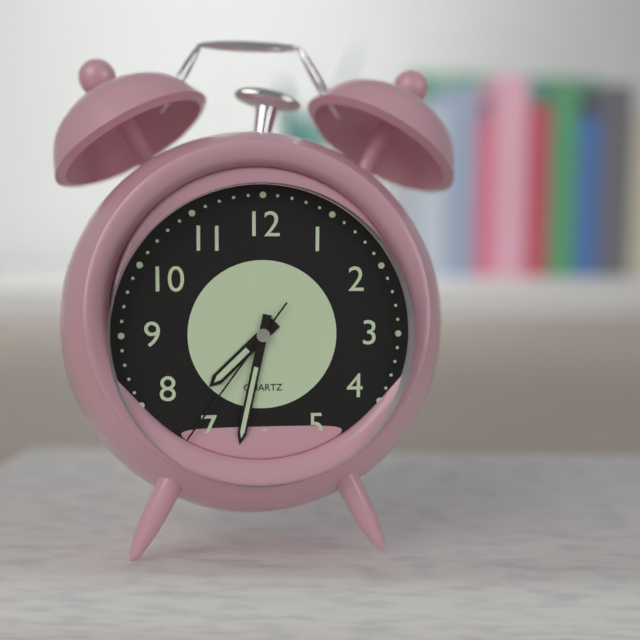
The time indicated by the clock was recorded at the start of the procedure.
7:32:36
